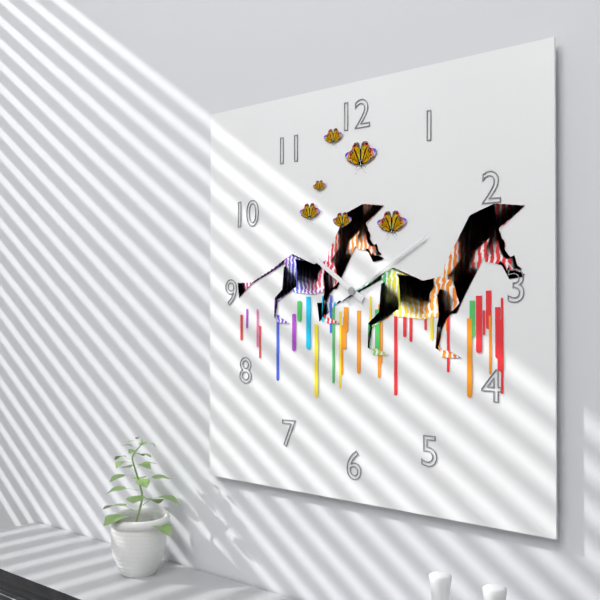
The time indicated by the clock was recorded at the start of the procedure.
10:10
